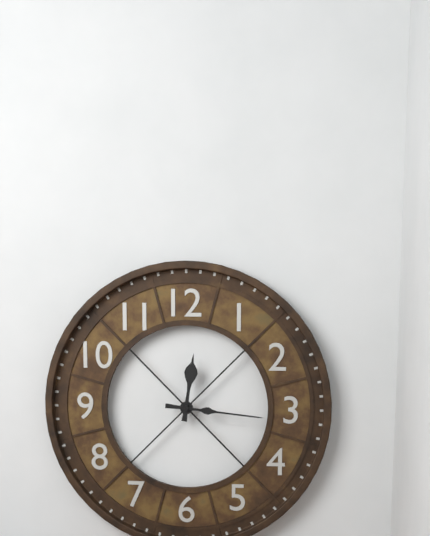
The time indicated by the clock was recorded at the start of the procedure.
12:16
